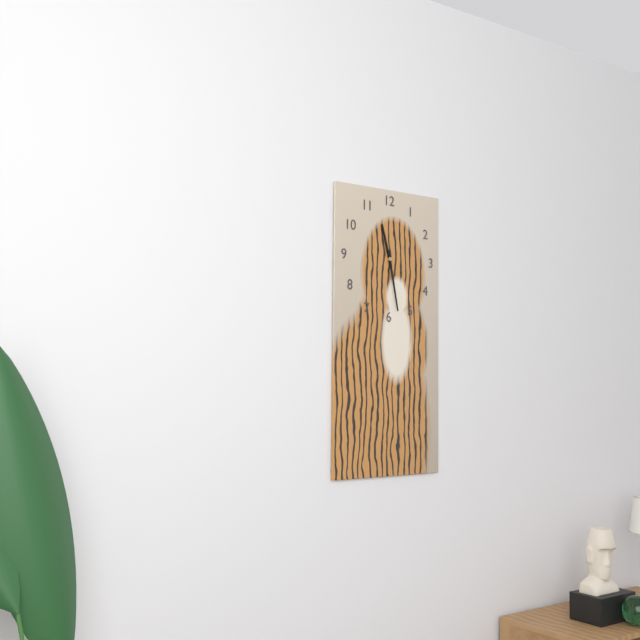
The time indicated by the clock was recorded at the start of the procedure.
11:28
